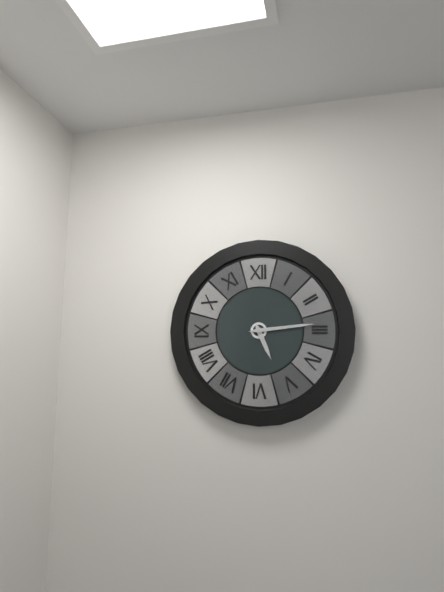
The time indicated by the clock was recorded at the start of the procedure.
5:14
